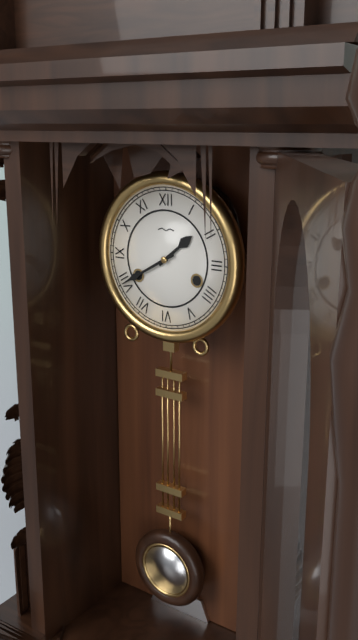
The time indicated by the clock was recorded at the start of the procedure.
1:40
